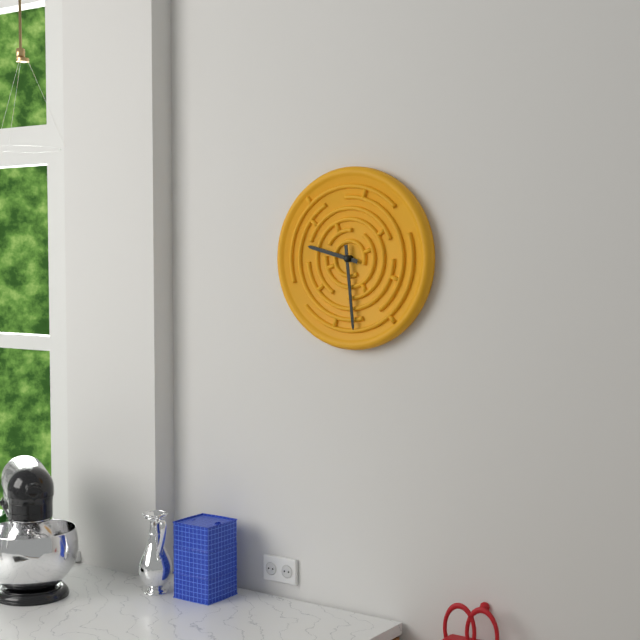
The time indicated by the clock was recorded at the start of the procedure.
9:29
